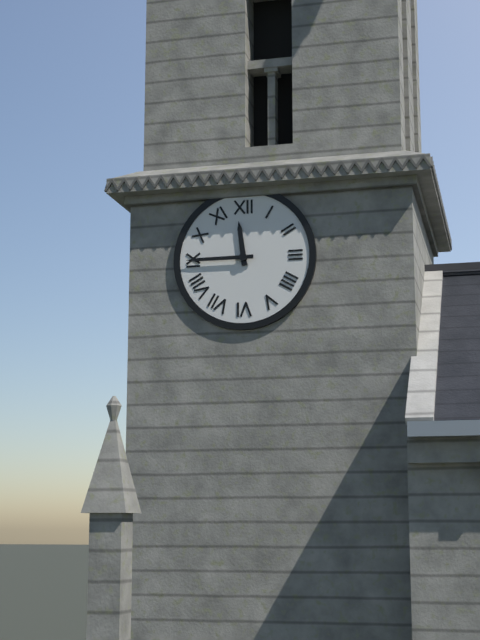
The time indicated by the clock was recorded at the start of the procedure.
11:45
